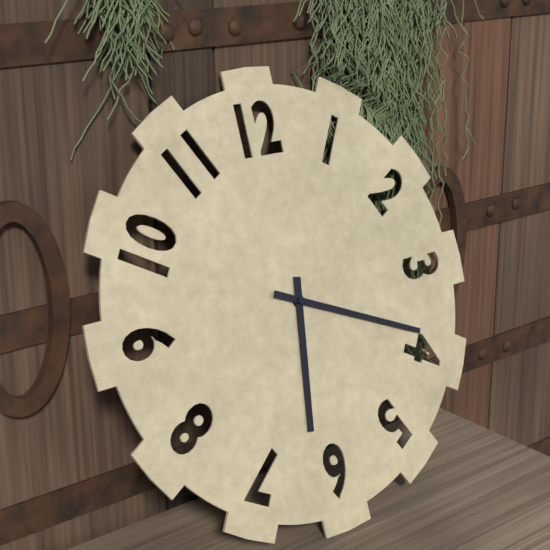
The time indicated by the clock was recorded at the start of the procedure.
6:19
